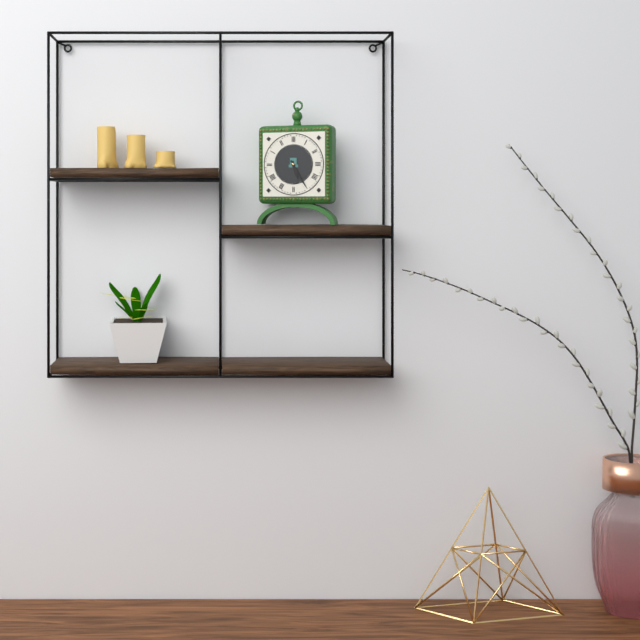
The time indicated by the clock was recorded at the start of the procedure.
5:25
